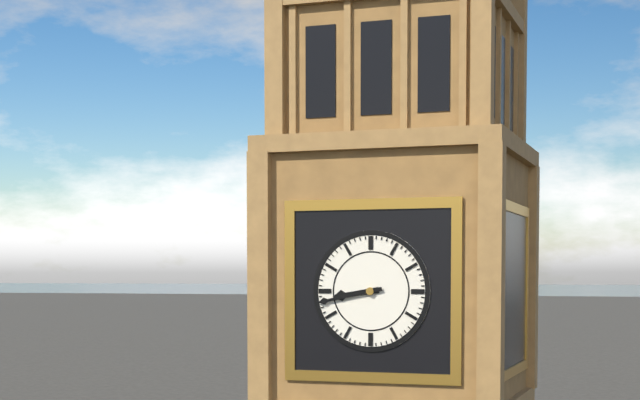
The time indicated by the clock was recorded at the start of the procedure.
8:43
